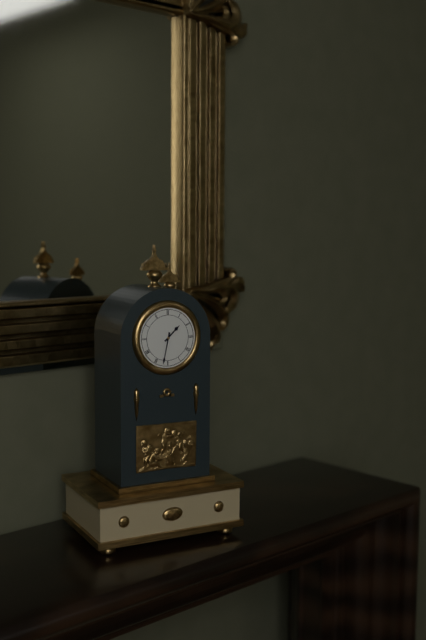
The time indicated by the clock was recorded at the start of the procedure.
1:32
